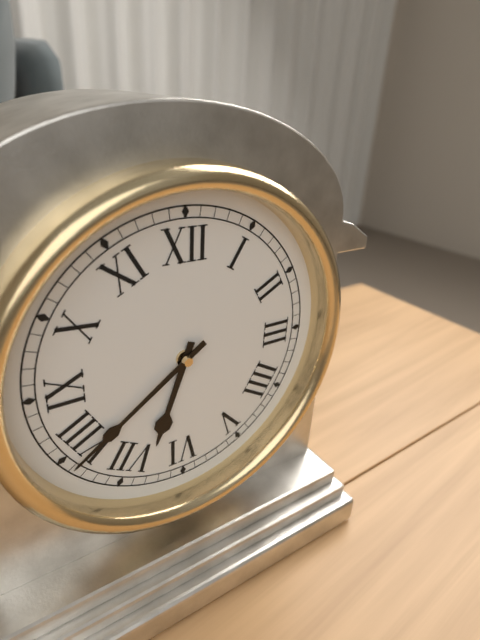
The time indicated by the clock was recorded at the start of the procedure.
6:39
